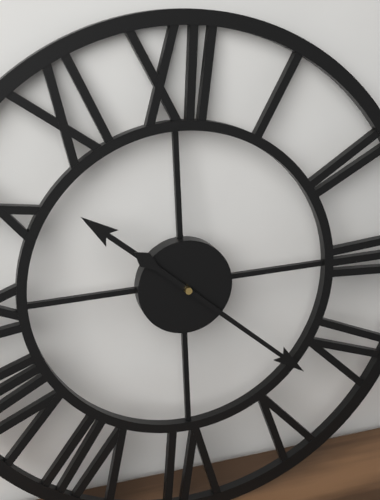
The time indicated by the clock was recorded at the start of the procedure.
10:22
